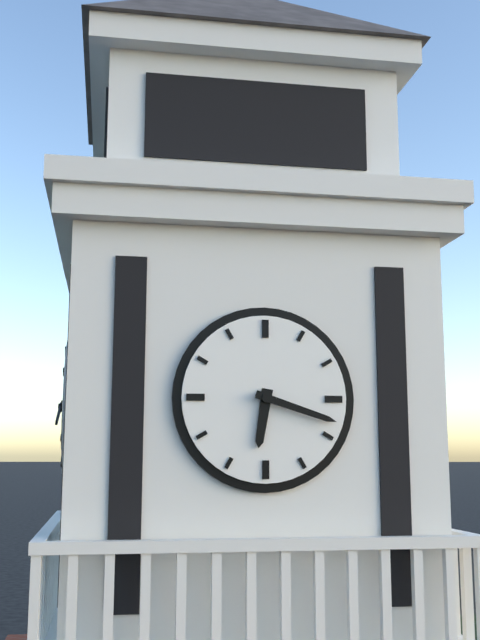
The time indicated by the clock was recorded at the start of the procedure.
6:18
